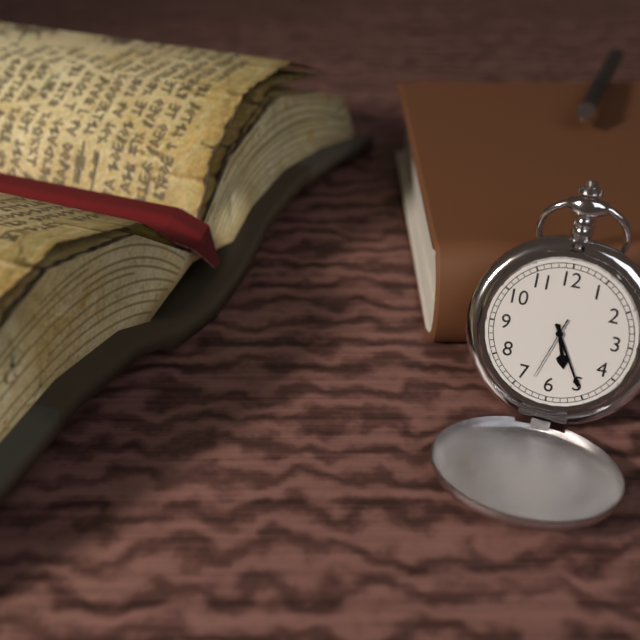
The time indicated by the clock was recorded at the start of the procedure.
5:25:33
